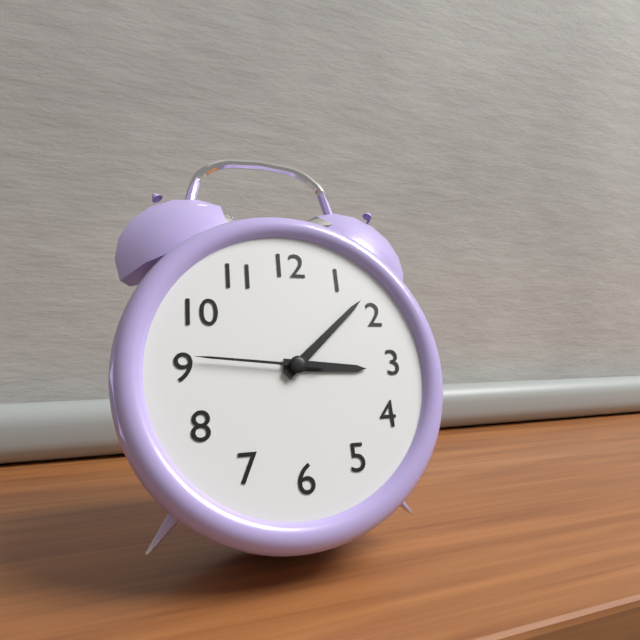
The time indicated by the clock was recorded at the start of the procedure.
3:08:46
